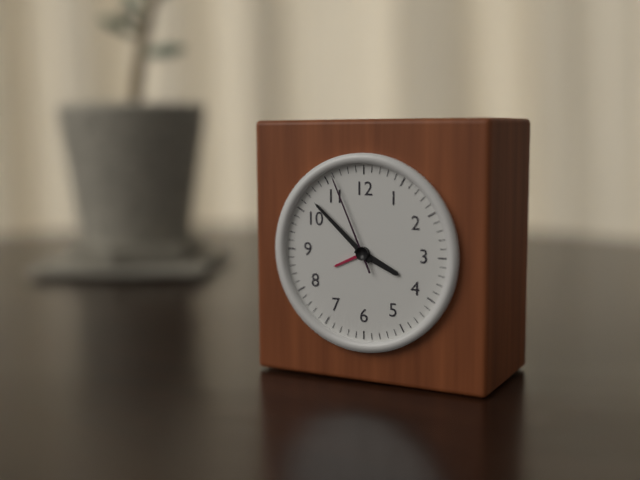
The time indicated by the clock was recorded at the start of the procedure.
3:52:56
